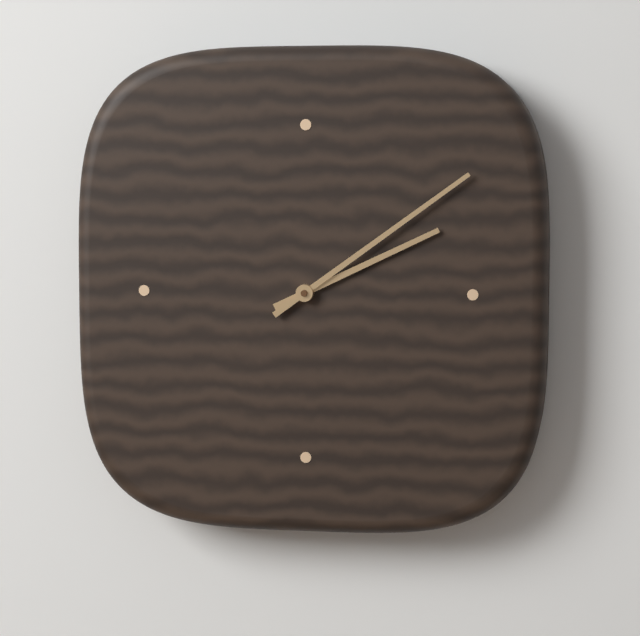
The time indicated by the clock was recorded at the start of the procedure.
2:09
